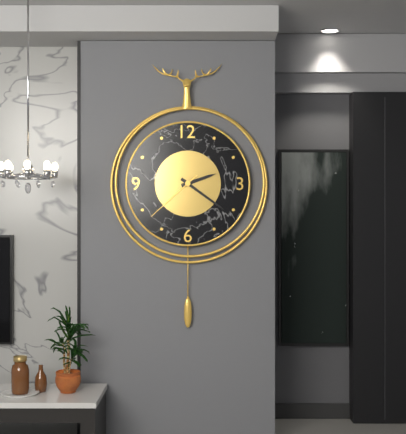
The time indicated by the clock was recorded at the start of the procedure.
2:21:38
